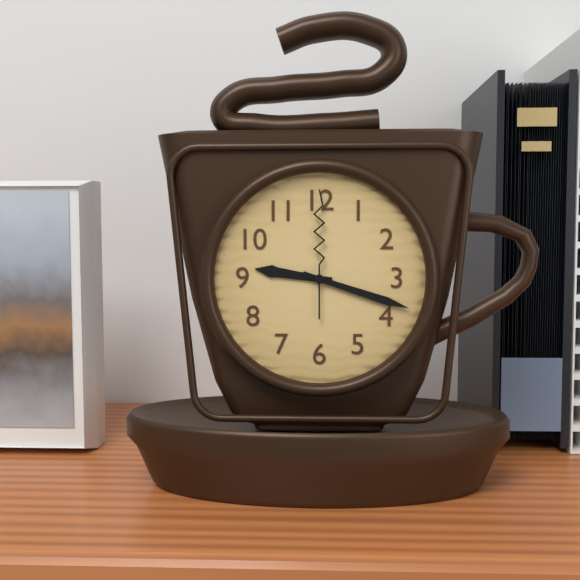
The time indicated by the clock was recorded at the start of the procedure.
9:18:00
